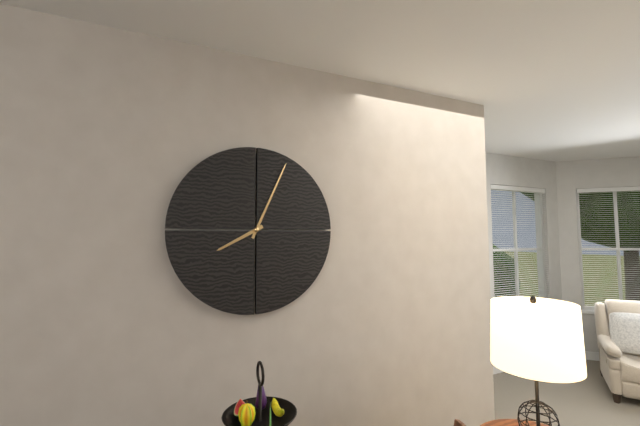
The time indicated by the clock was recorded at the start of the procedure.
8:04
